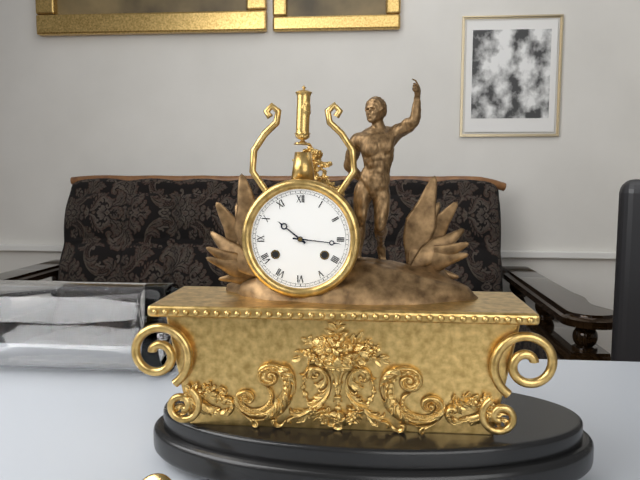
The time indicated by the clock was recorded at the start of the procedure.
10:16
